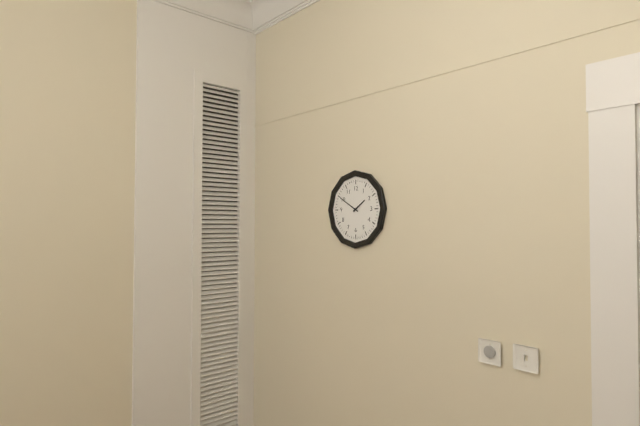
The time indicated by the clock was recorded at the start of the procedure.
1:50
